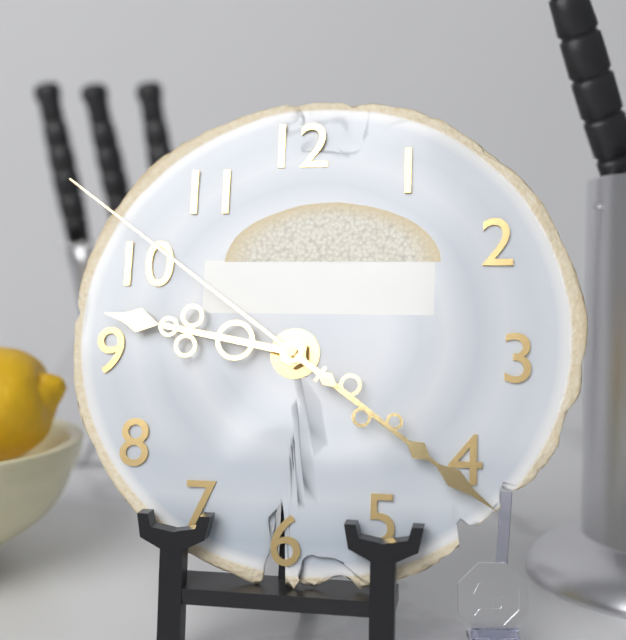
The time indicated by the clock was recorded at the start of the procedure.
9:21:51
